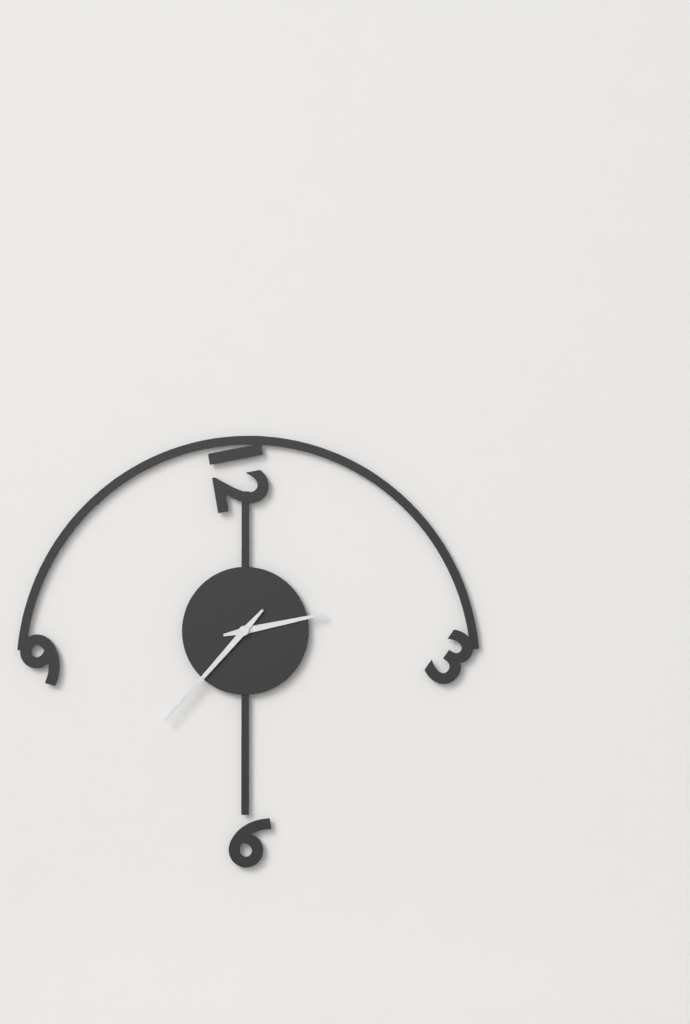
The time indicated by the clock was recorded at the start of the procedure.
2:37
